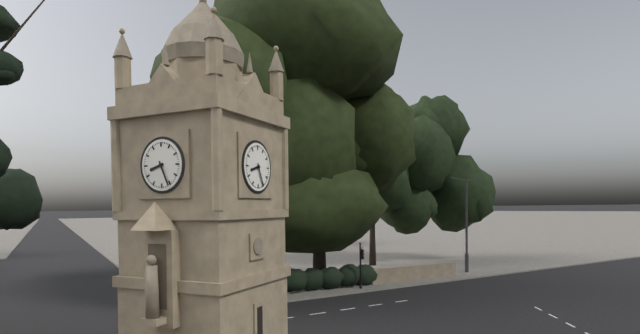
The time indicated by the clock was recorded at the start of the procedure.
8:26
